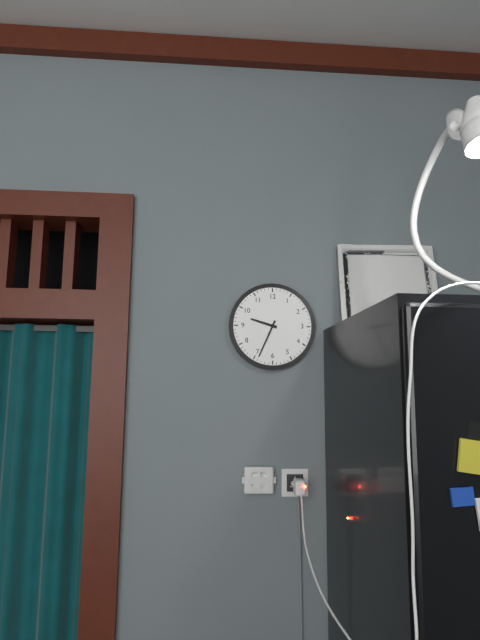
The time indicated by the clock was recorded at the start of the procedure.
9:34
